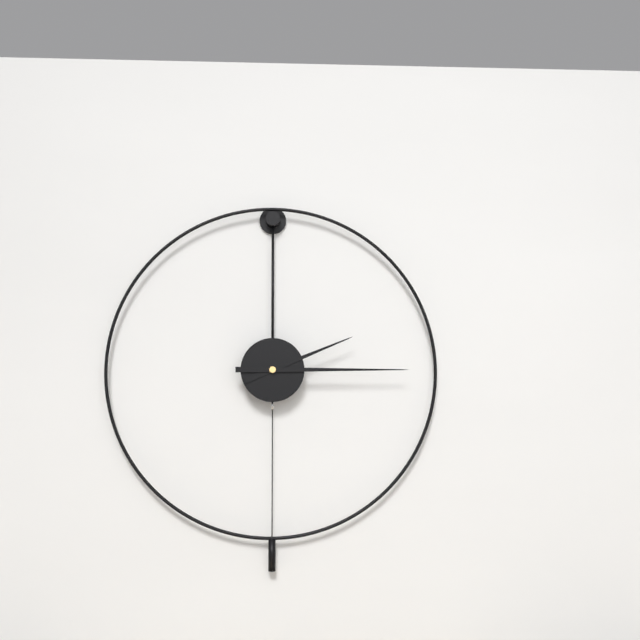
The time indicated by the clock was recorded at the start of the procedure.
2:15
